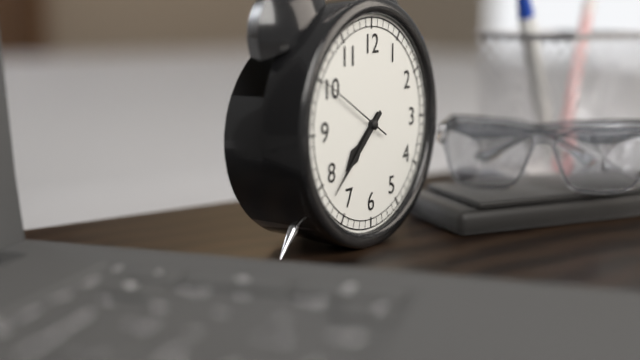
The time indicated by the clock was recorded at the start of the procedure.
7:38:50
